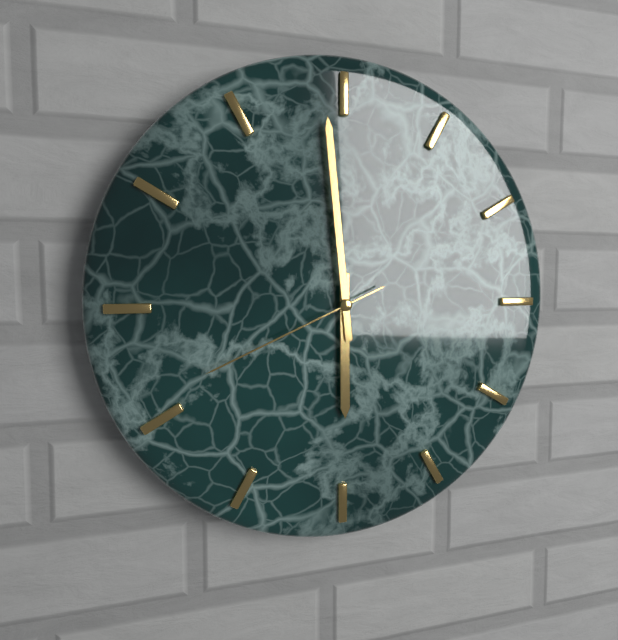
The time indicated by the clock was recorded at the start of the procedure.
5:59:41
